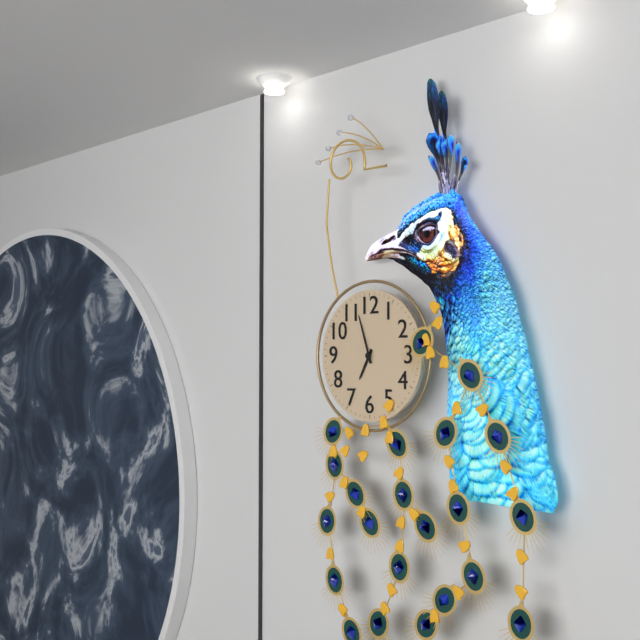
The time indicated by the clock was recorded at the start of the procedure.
6:57
